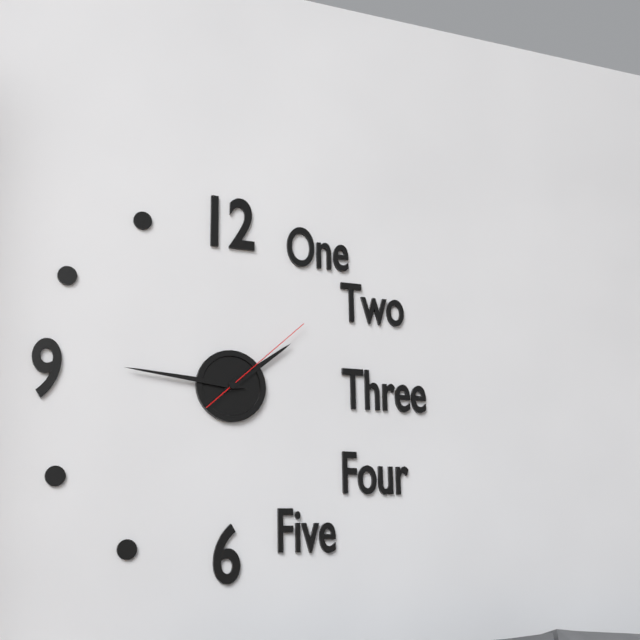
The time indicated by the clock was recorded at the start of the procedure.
1:46:08
